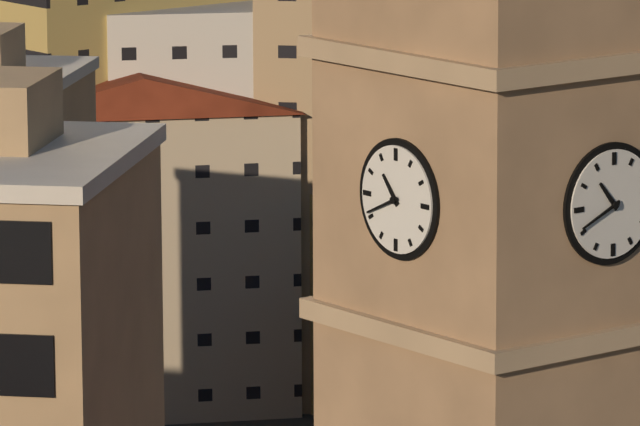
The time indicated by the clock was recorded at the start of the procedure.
10:41
